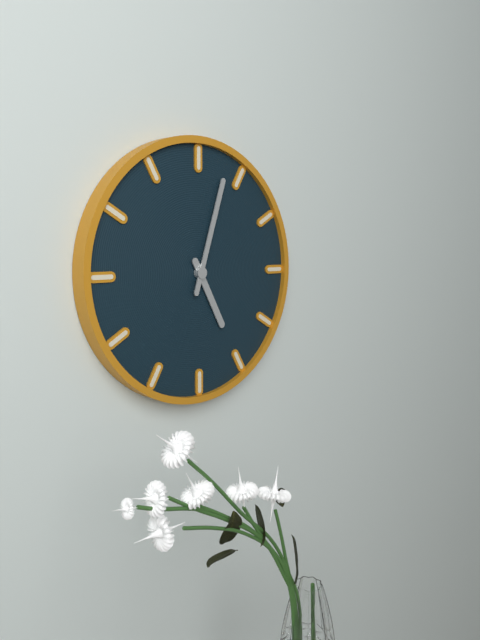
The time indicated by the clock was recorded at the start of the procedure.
5:03
